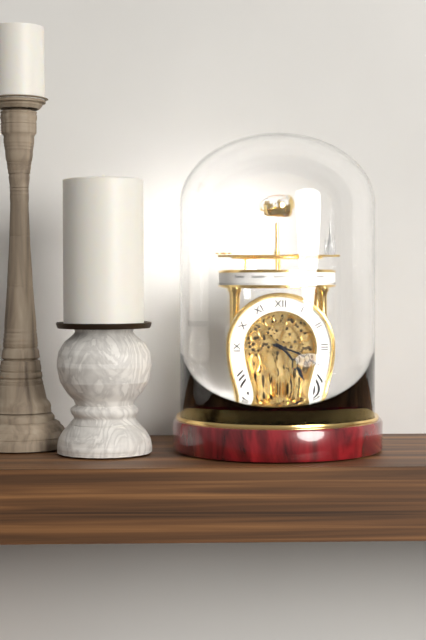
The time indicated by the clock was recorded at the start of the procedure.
4:18
